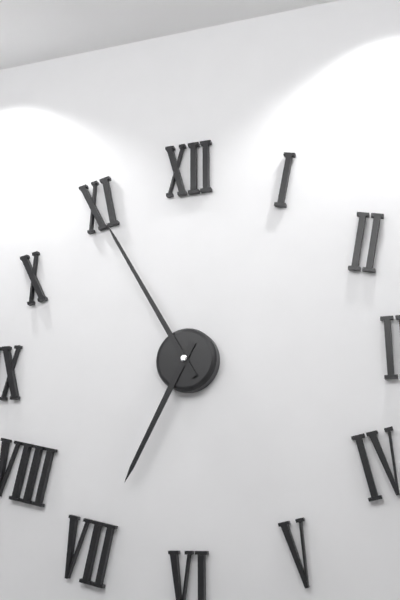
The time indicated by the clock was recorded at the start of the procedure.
6:55
